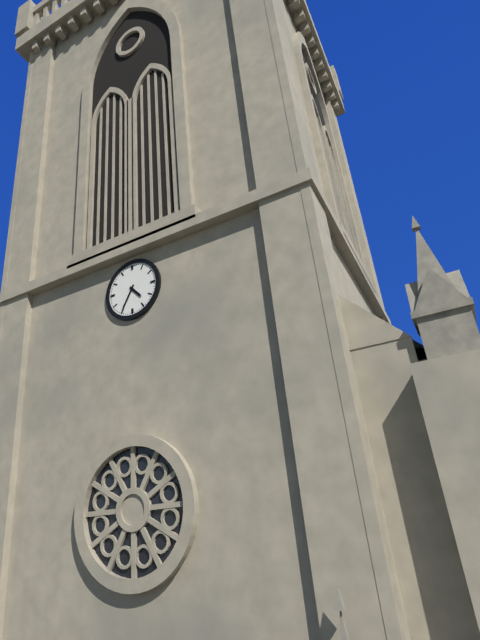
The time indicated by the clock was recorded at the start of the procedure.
4:35
